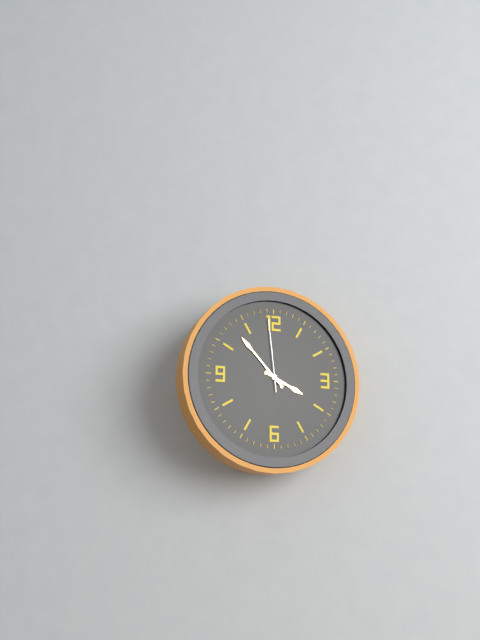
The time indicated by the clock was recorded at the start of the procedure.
3:53:59
